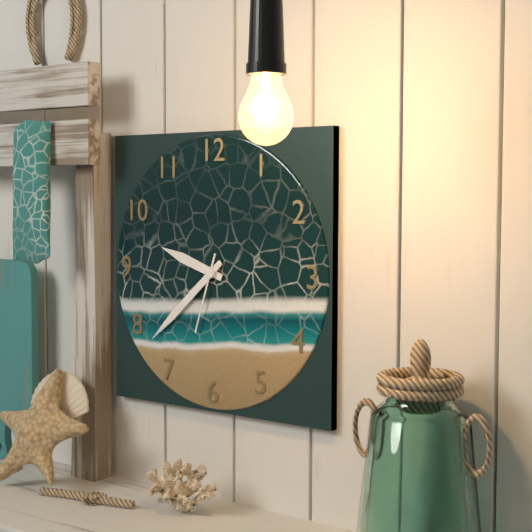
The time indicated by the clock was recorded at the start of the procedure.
9:38:33
